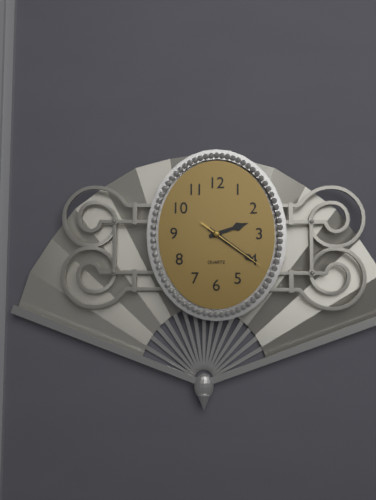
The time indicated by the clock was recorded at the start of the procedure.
2:21:21
